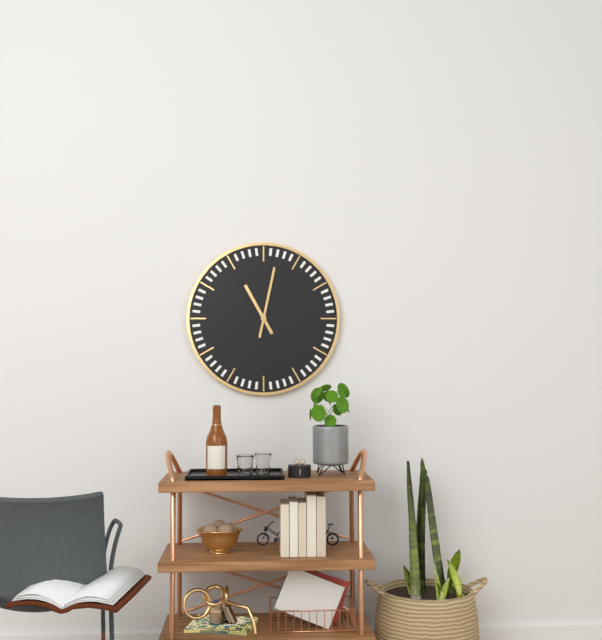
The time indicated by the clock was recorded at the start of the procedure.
11:02
